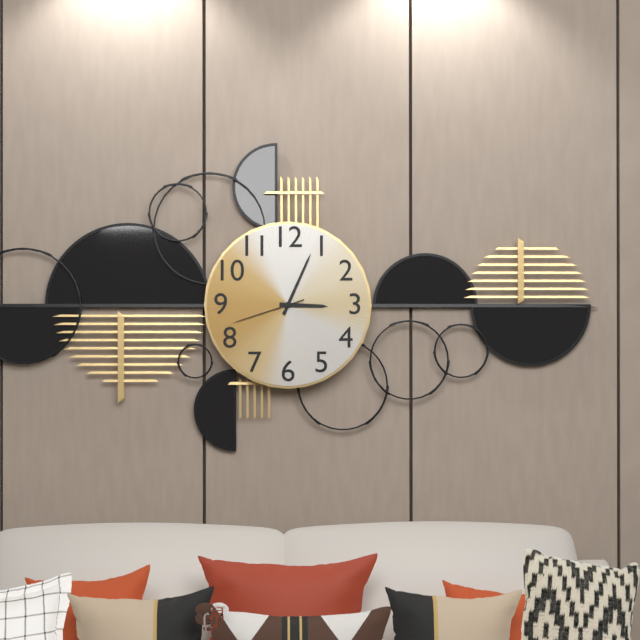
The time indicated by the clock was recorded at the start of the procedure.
3:04:42
